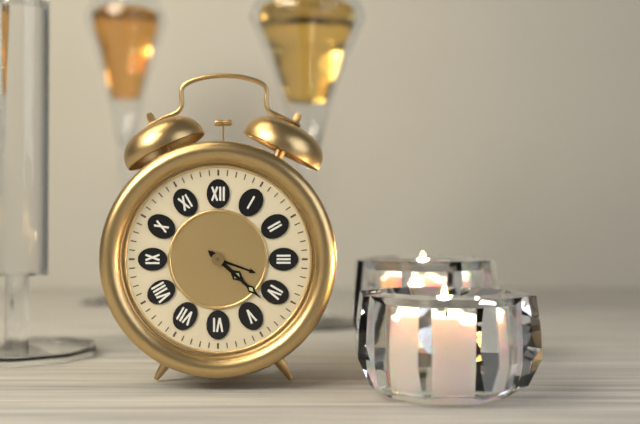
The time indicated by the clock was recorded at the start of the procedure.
4:22
